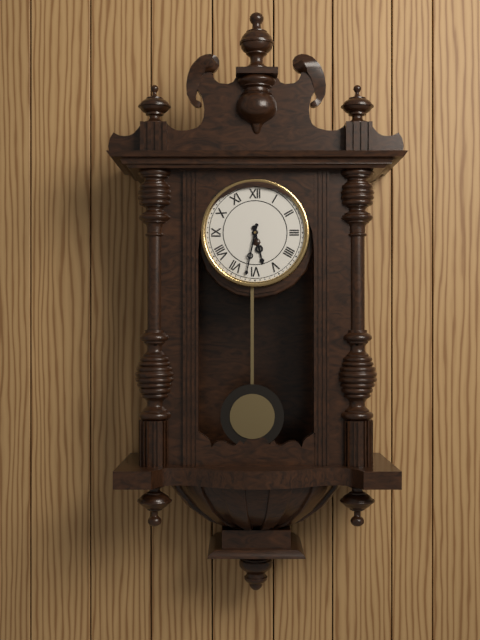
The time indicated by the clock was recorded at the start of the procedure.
5:32
